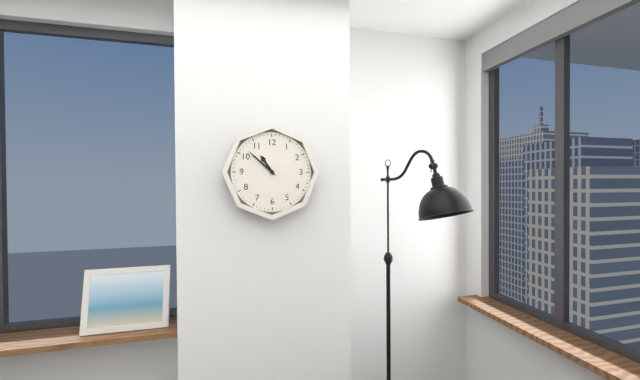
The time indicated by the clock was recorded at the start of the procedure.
10:52
